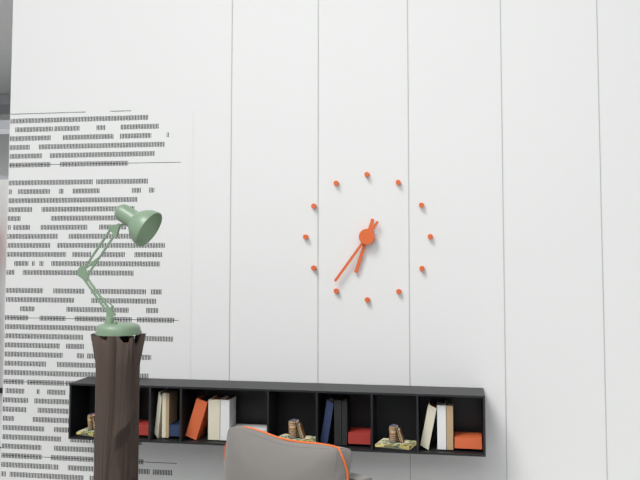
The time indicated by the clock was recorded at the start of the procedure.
6:36
